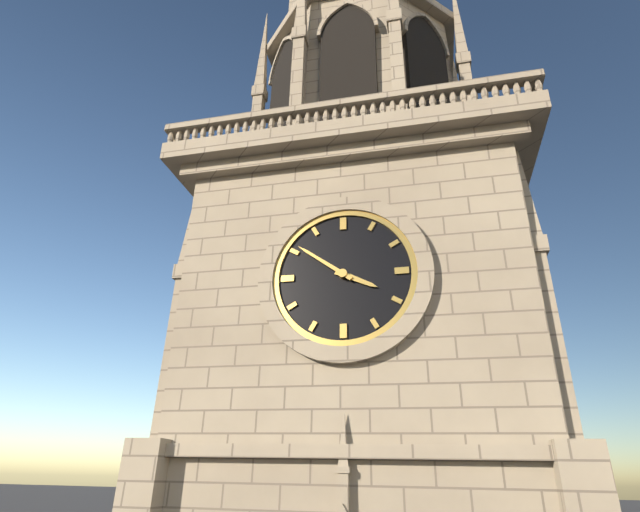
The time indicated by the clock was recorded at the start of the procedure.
3:51
